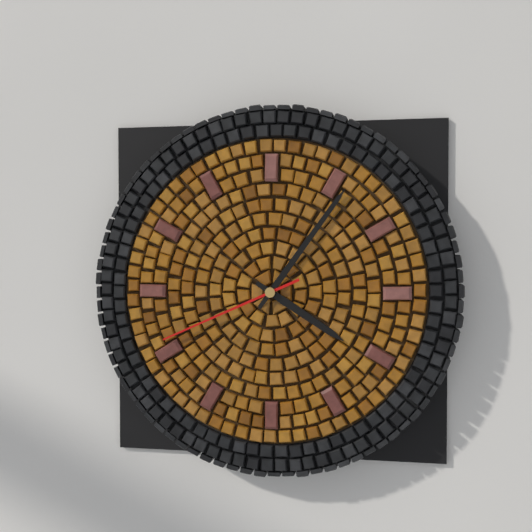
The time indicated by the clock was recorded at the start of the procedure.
4:06:41
